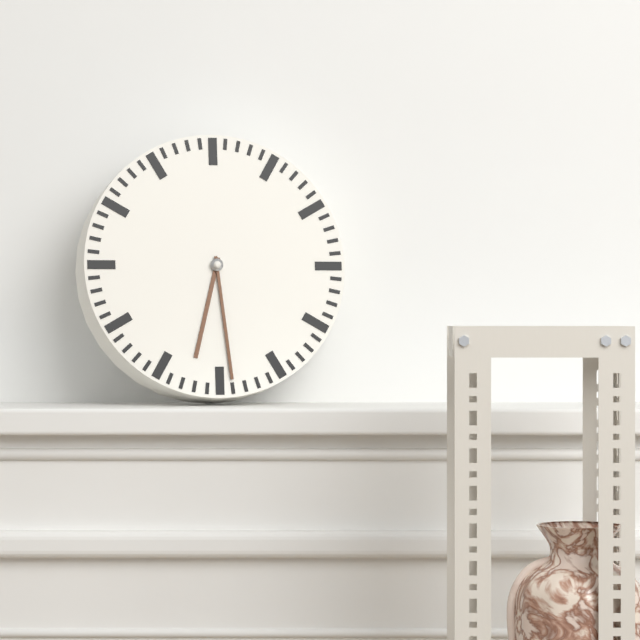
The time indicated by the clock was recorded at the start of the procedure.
6:29
